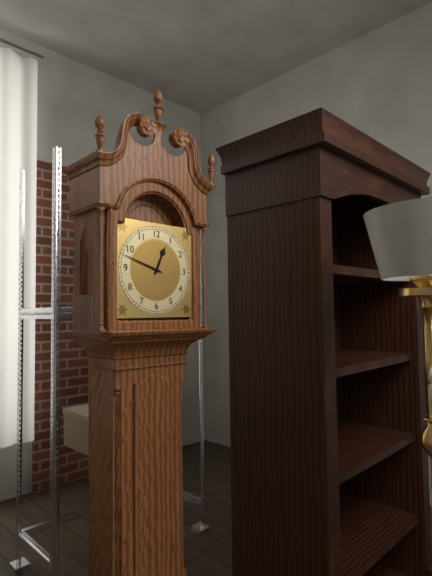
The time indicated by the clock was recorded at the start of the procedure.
12:48
